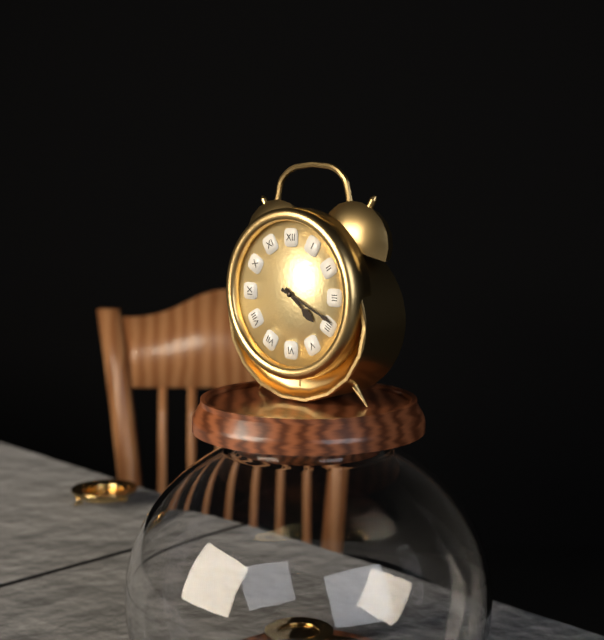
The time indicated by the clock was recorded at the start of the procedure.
4:19
